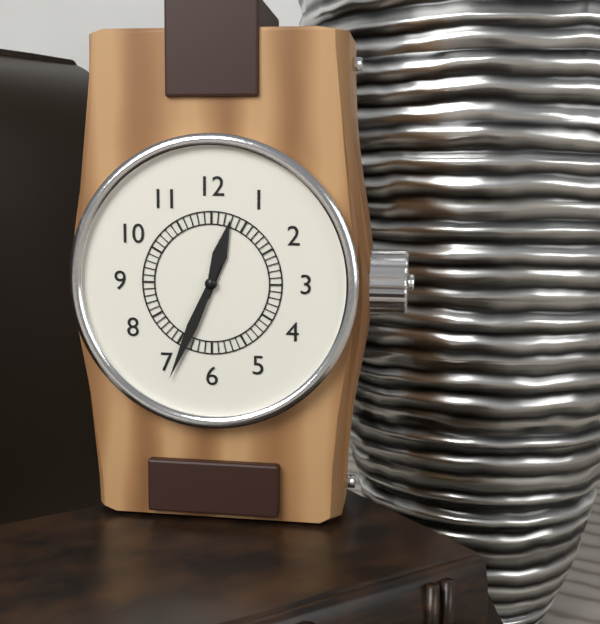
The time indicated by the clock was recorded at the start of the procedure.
12:34
